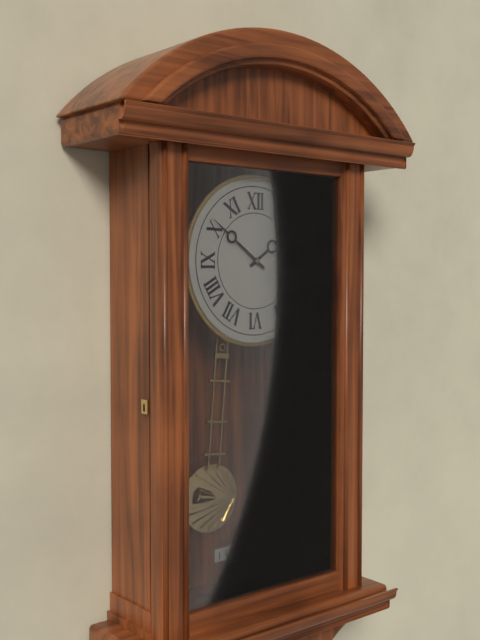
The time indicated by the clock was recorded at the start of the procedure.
1:51
